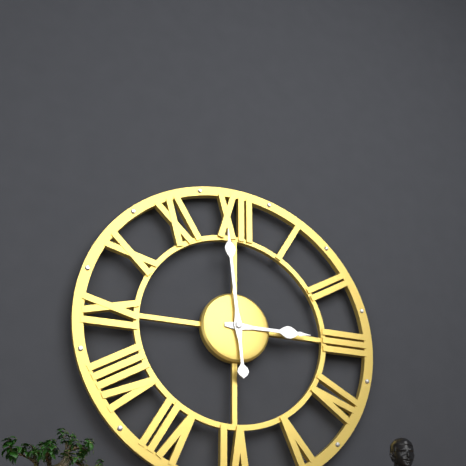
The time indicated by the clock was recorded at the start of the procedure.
2:59
